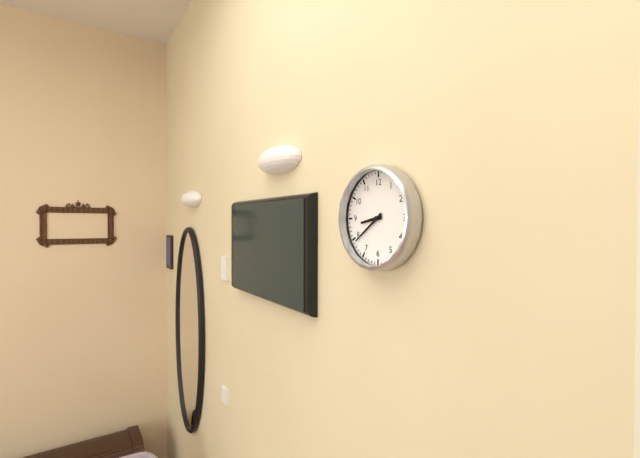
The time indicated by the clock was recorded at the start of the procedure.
8:39
